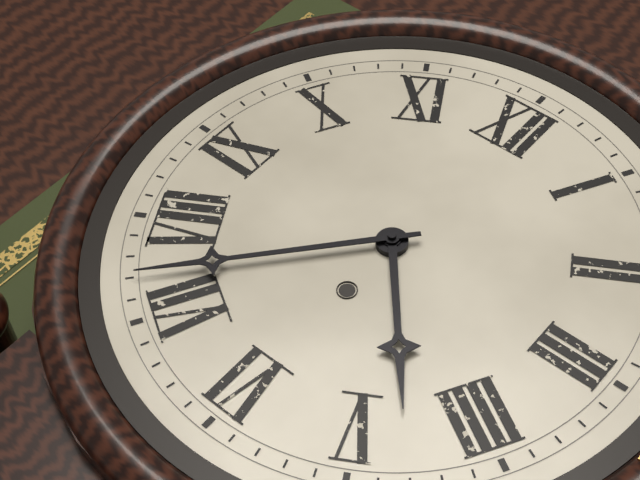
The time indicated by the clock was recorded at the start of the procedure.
4:37
